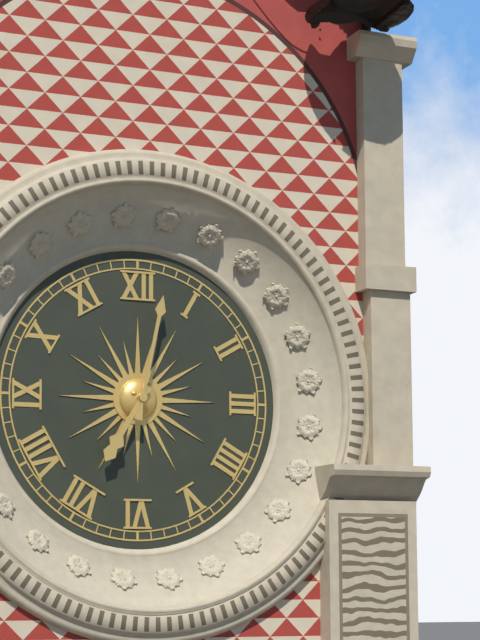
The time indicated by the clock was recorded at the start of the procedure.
7:02
